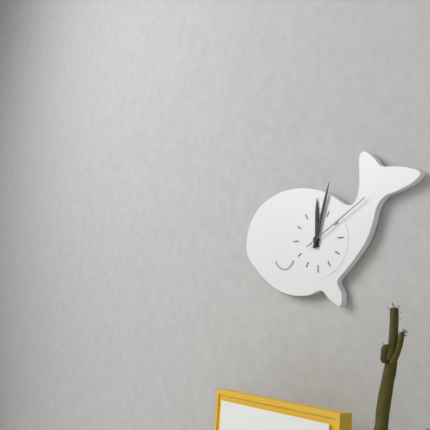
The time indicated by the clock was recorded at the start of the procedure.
12:03:10
